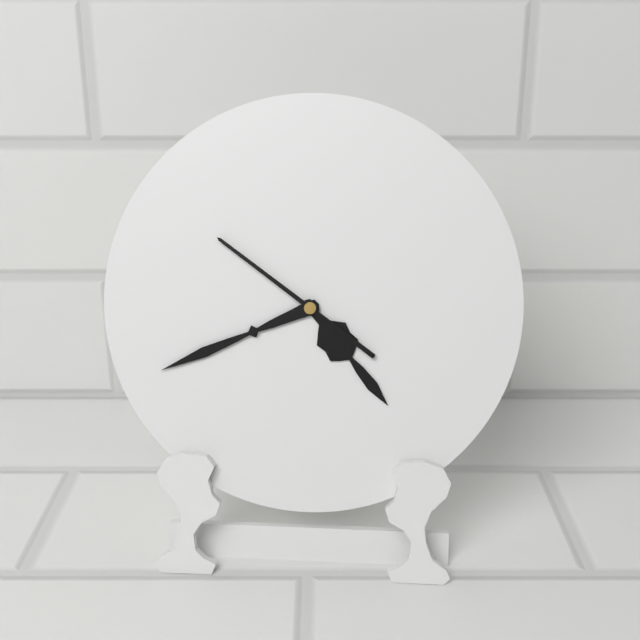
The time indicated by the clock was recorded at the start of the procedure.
4:41:51
